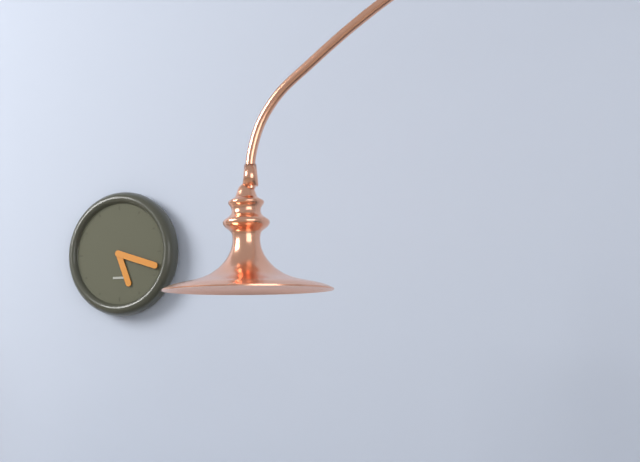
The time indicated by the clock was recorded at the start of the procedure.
5:18
